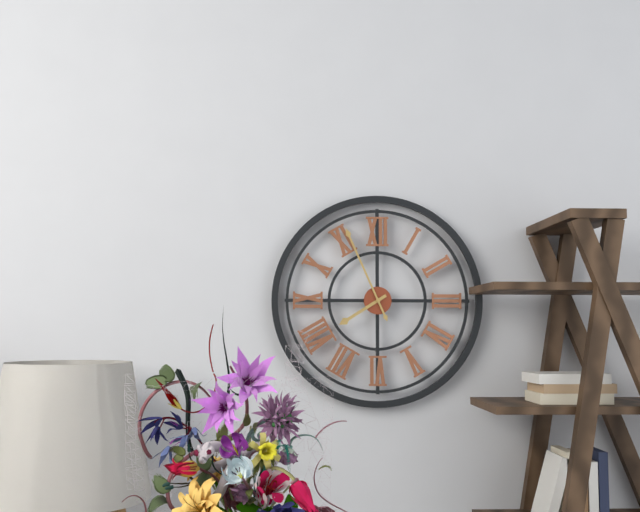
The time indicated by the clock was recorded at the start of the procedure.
7:56
